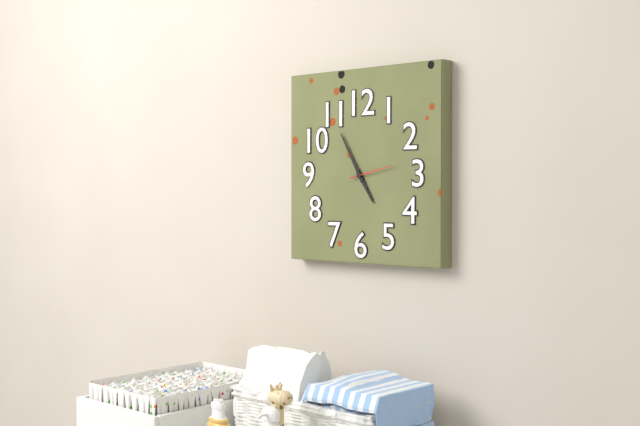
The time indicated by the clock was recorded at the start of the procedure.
4:55
